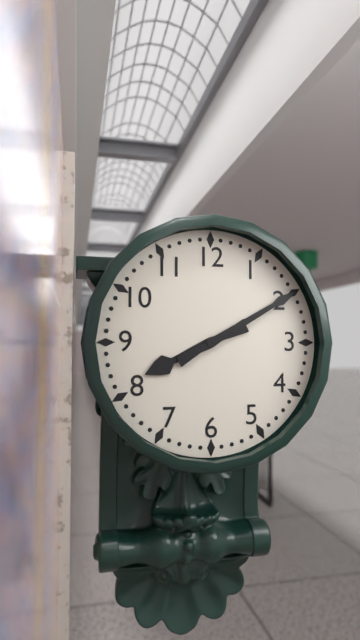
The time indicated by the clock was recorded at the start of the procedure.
8:10
